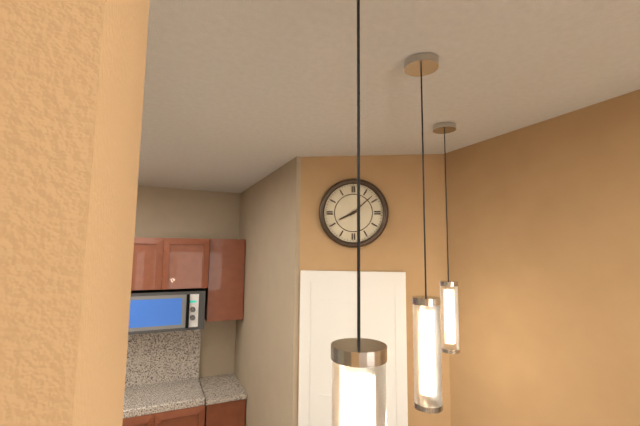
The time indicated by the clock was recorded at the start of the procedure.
8:08
